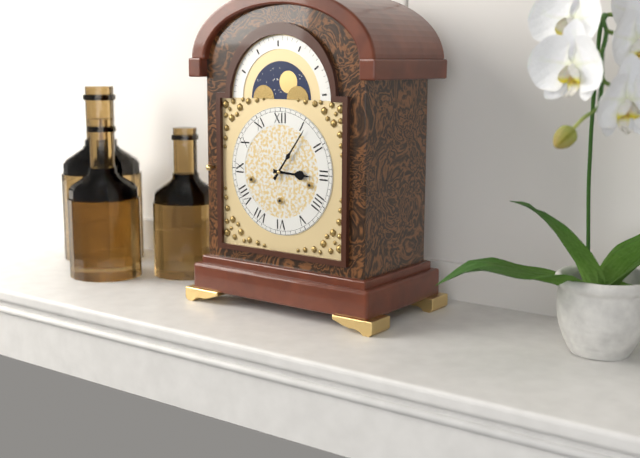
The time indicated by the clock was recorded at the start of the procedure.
3:06
